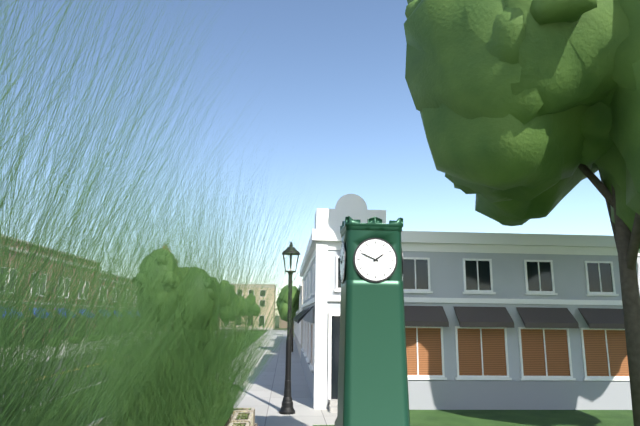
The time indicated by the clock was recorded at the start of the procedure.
1:49
